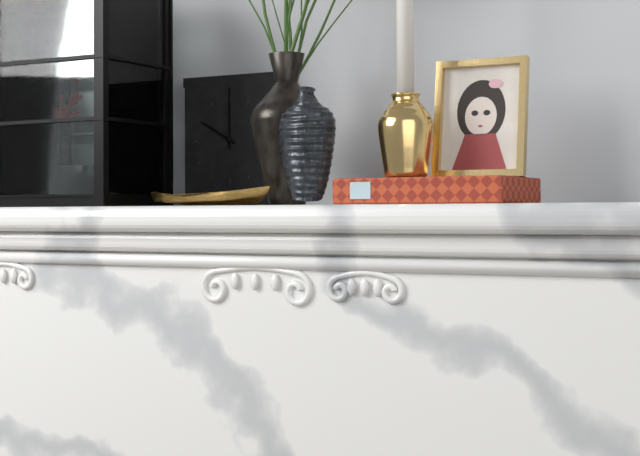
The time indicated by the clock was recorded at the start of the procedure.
10:00
